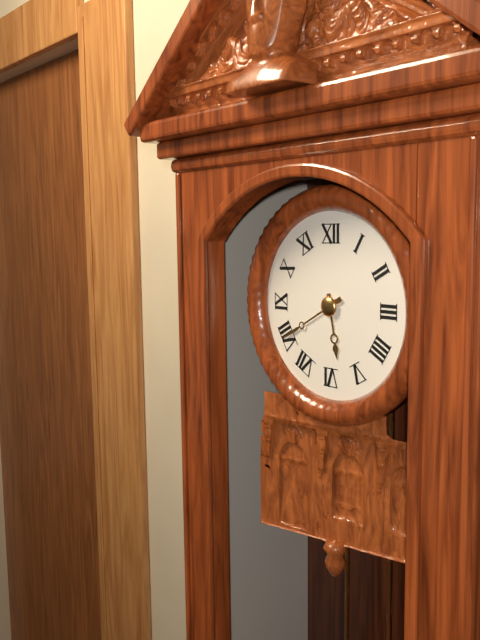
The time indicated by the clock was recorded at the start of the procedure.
5:40
